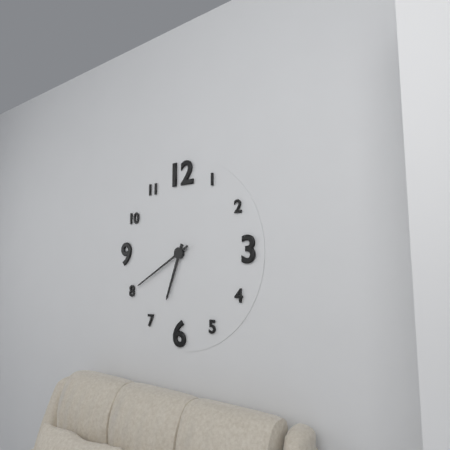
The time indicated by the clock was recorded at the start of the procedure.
6:40
